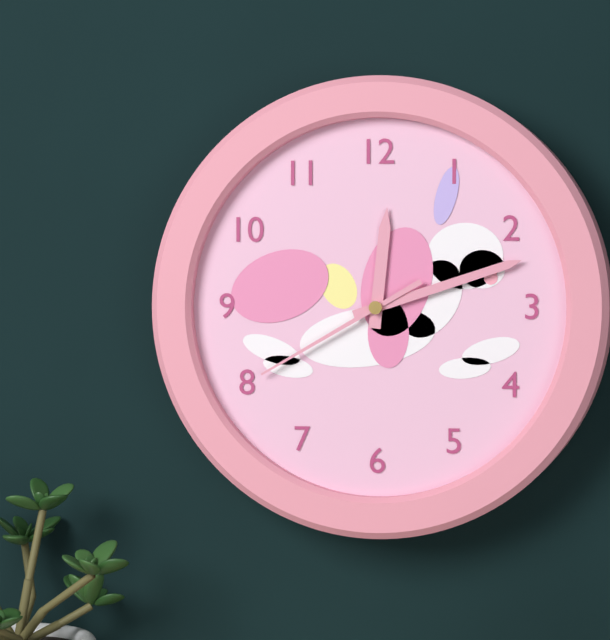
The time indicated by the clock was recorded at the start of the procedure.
12:12:40
